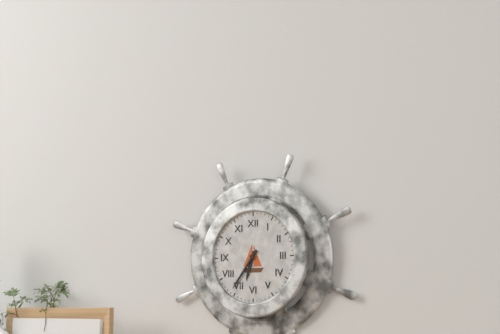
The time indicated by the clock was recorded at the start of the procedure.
6:36
